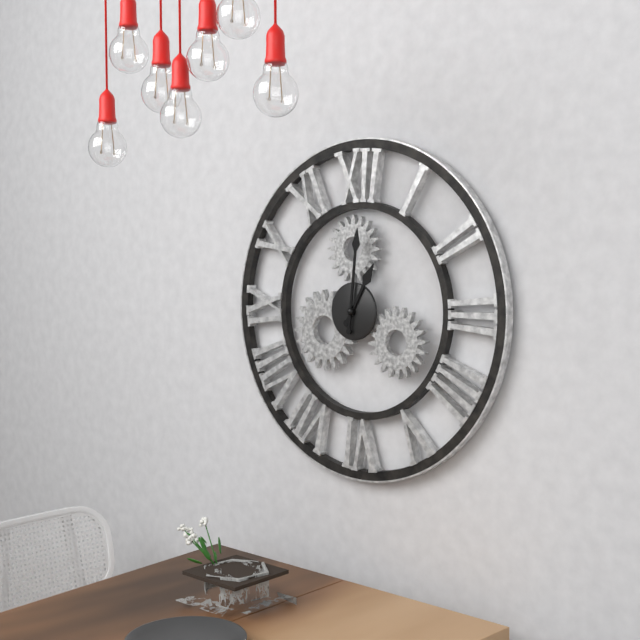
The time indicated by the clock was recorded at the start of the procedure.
1:01
